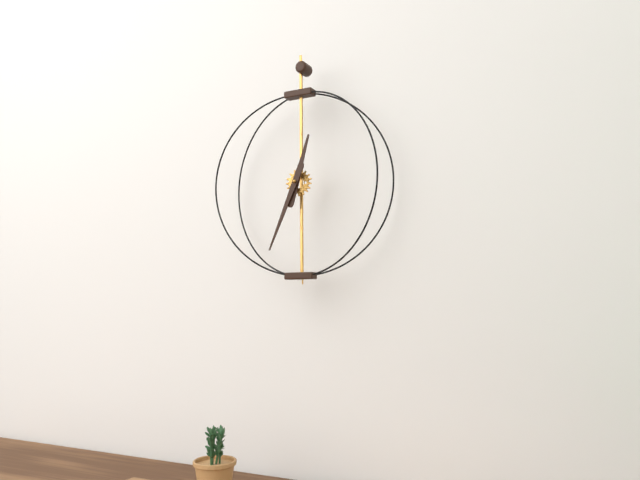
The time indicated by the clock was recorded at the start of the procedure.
12:34
